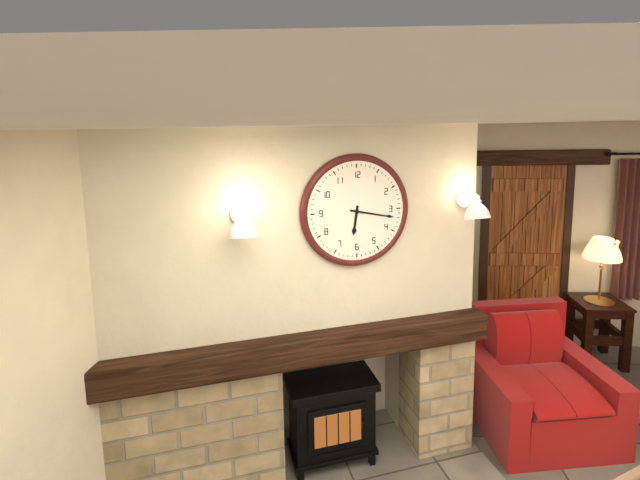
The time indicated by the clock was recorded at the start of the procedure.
6:17
